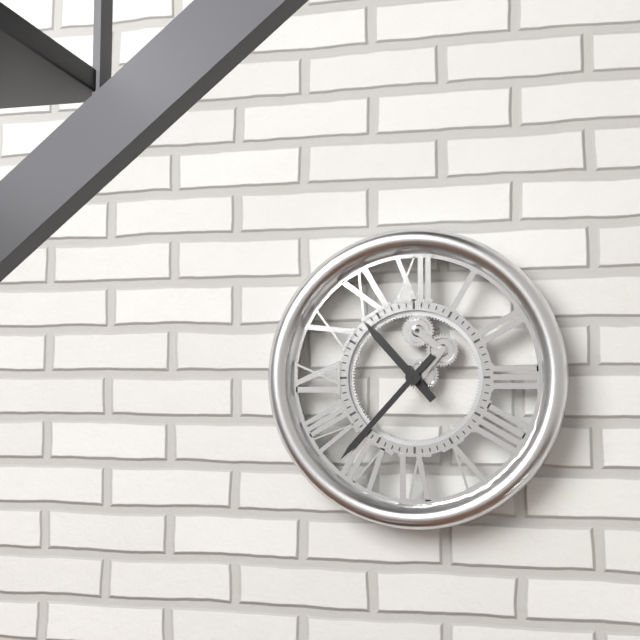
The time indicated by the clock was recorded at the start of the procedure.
10:37
